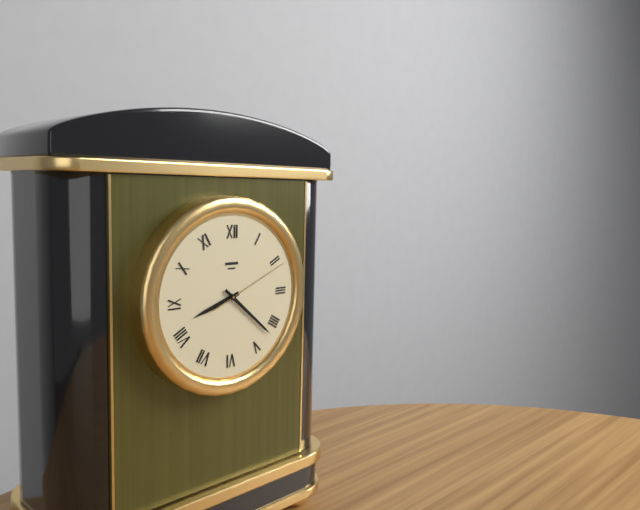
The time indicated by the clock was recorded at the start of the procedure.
8:22:11
